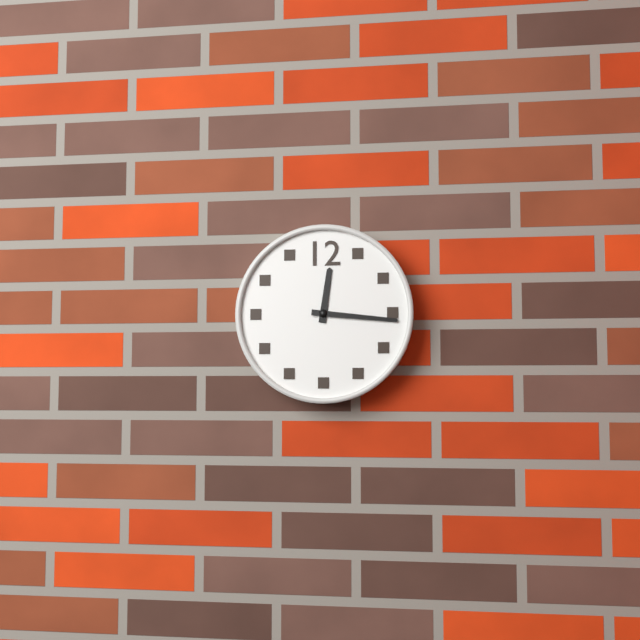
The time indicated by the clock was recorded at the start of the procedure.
12:16
